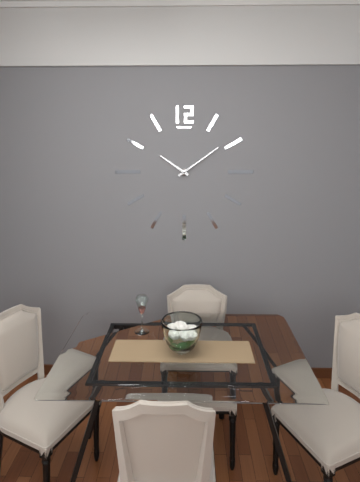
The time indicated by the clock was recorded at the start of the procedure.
10:09
